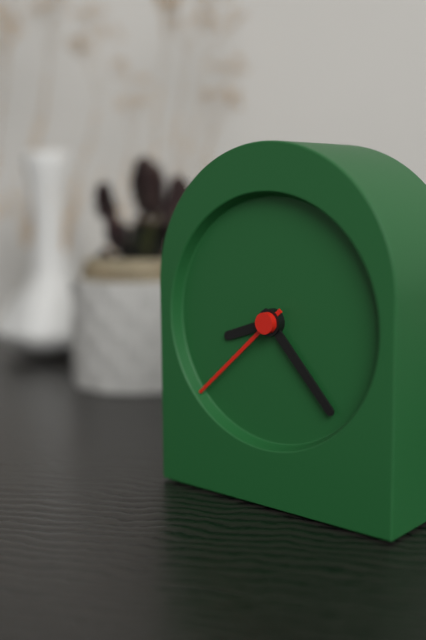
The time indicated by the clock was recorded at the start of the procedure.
8:23:38
